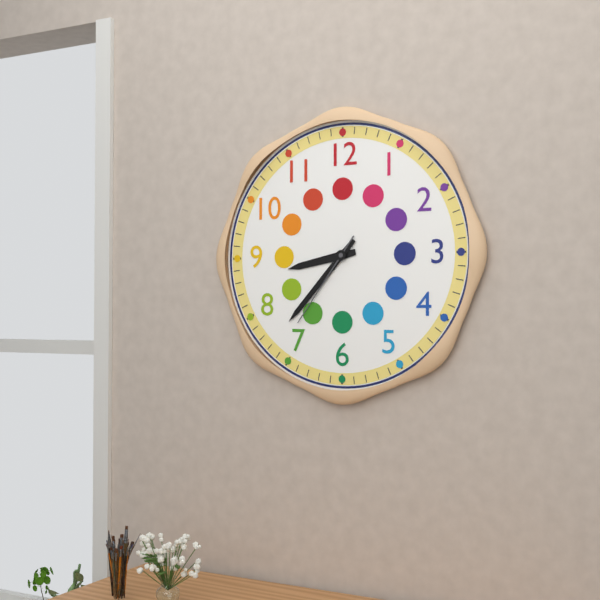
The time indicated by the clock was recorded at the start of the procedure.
8:37:36
